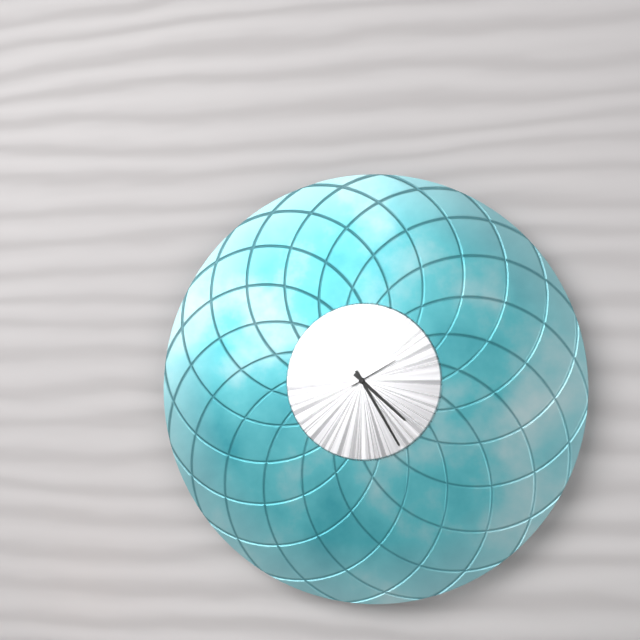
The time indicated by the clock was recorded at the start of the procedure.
4:25
